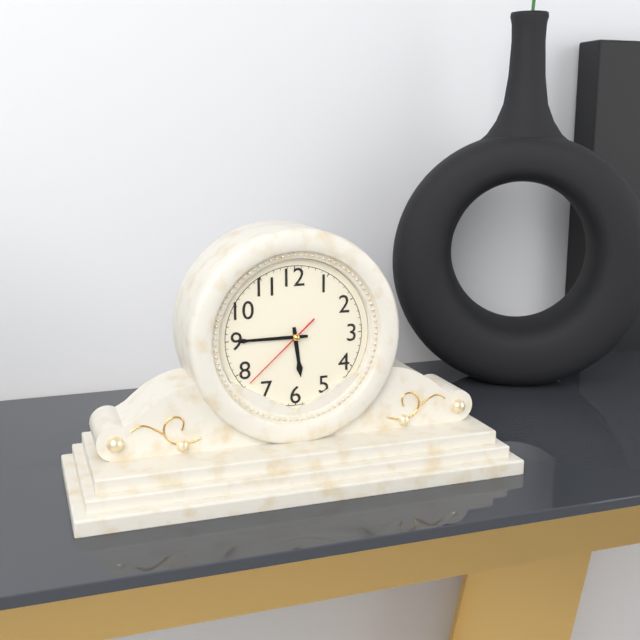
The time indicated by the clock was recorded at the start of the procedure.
5:45:38
